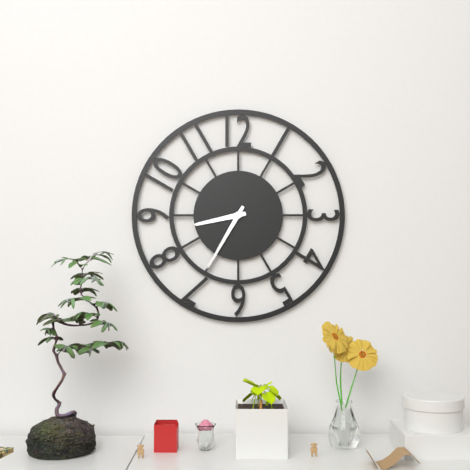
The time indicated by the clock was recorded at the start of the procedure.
8:35
